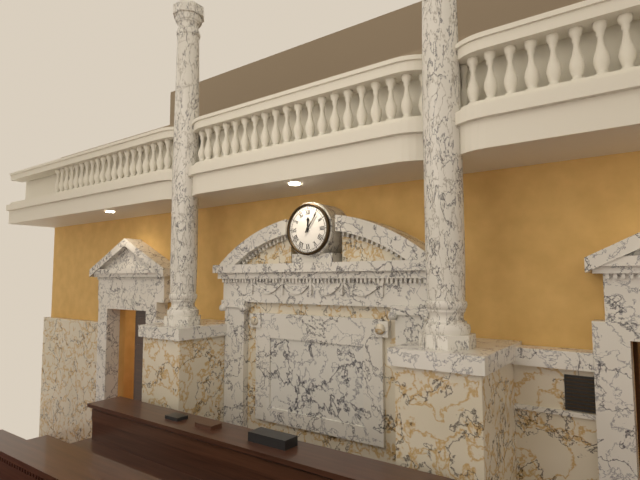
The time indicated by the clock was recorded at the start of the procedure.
12:06
